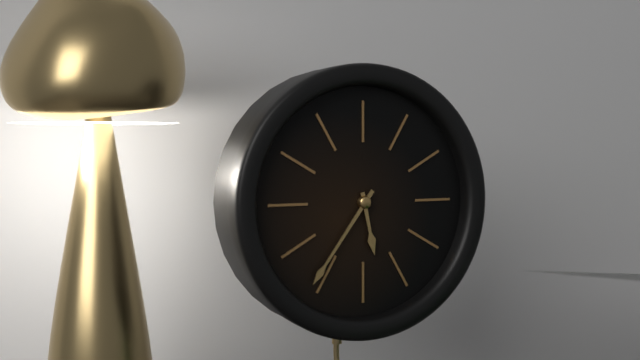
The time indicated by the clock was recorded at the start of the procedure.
5:36
